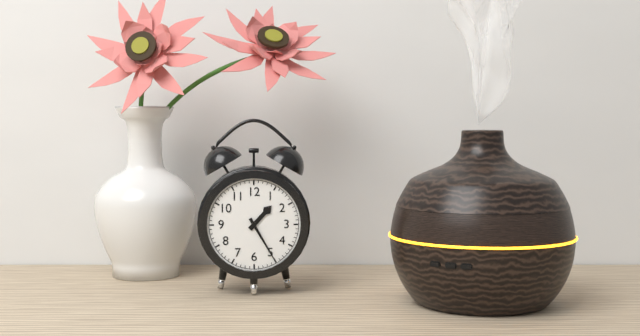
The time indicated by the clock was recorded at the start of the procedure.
1:25
